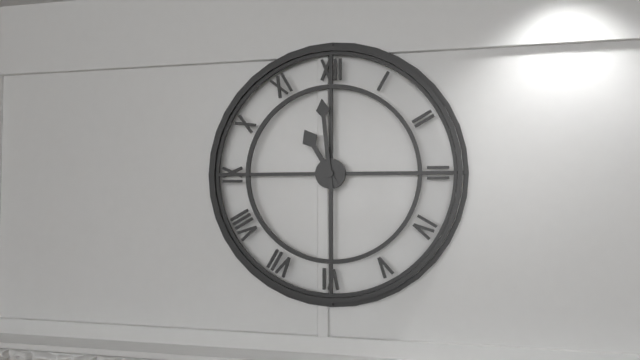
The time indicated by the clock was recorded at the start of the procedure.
10:59
